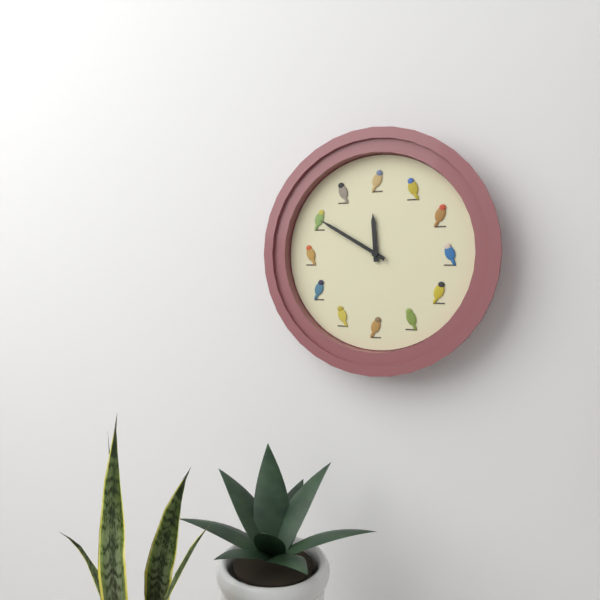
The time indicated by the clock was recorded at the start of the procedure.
11:50
